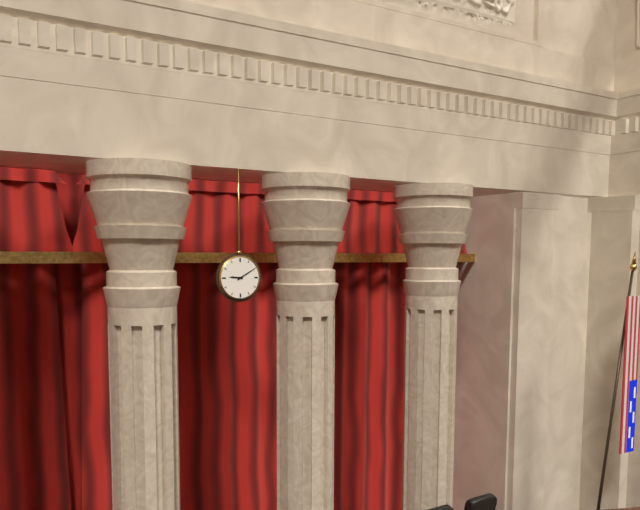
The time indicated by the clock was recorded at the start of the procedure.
9:10
